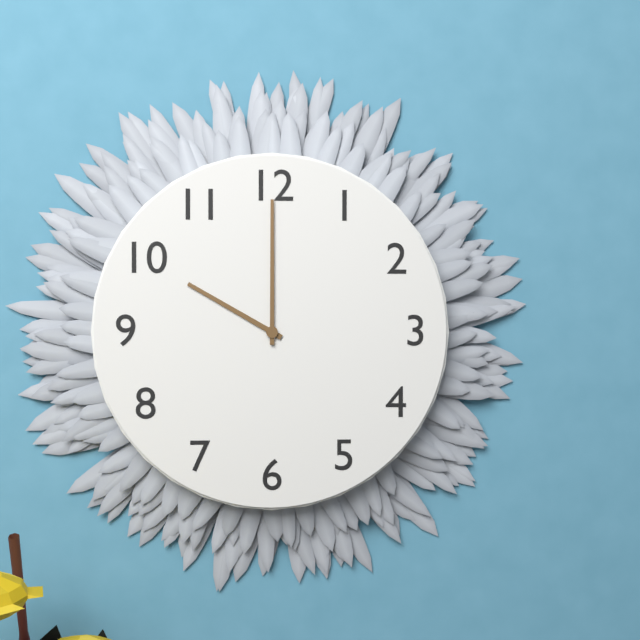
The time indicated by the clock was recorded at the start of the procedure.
10:00
